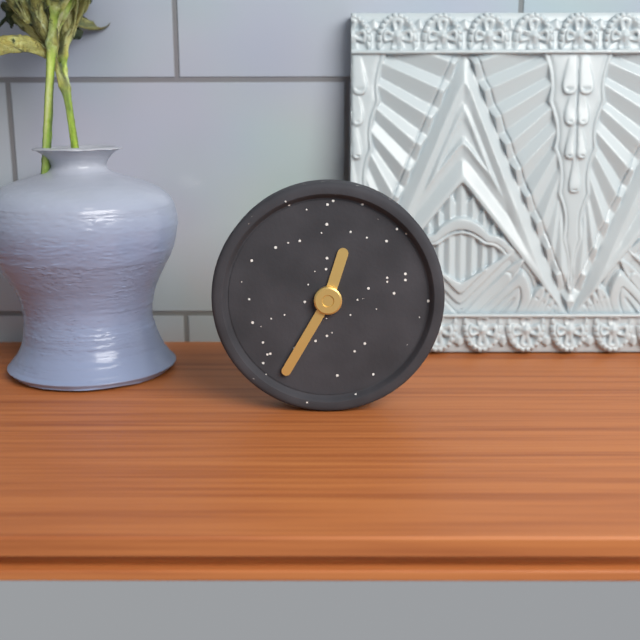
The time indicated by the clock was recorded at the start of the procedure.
12:35
